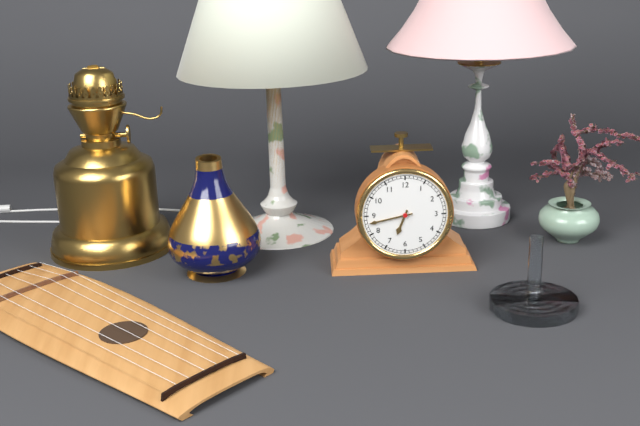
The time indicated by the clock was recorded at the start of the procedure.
6:43
